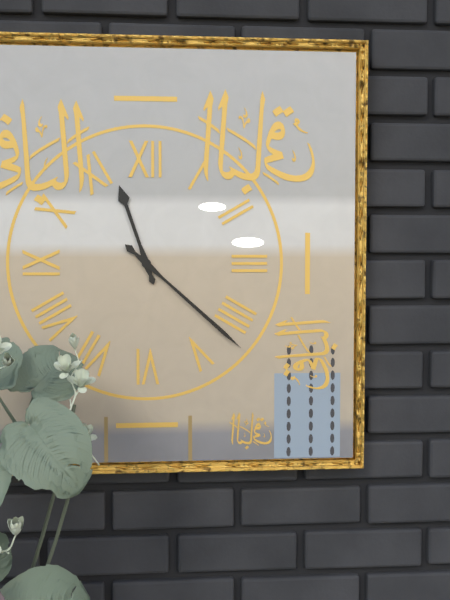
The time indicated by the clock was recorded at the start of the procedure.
11:22
